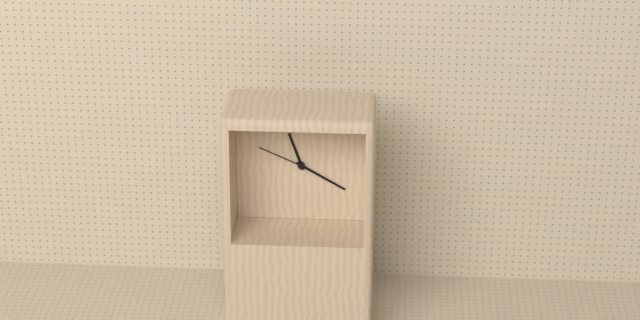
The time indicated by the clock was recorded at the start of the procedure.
11:20:49
